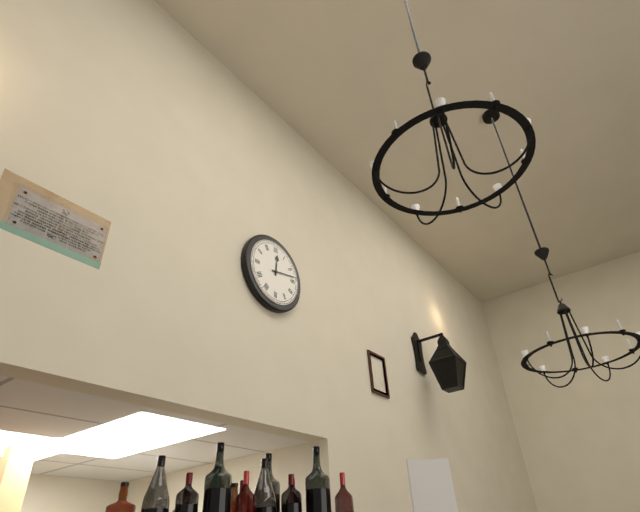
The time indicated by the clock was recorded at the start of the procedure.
12:13
